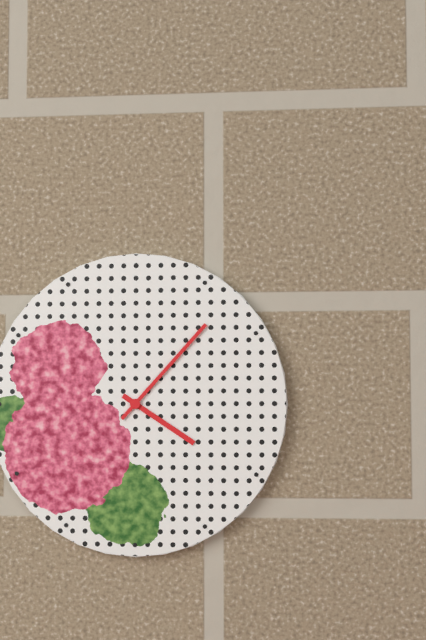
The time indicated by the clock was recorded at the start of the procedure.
4:07
